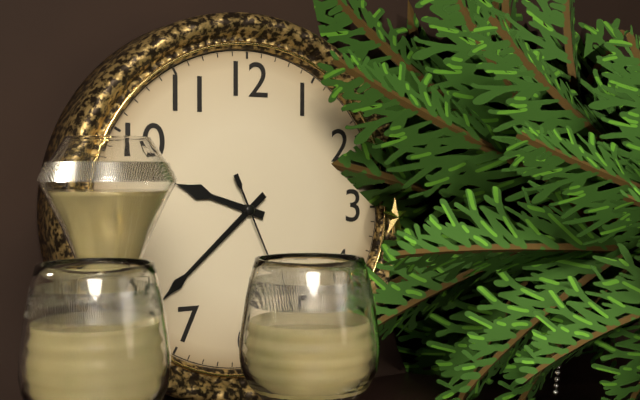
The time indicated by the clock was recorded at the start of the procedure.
9:38
